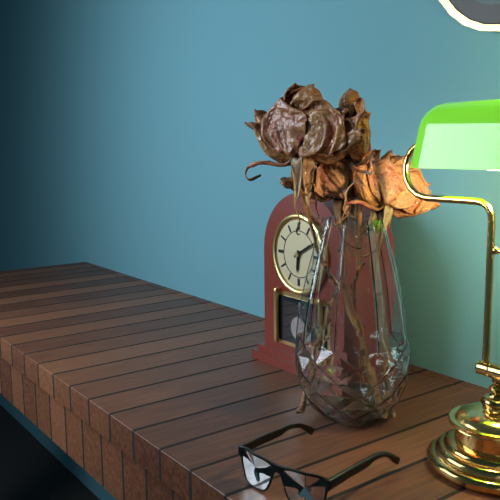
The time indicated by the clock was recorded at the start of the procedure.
6:10
